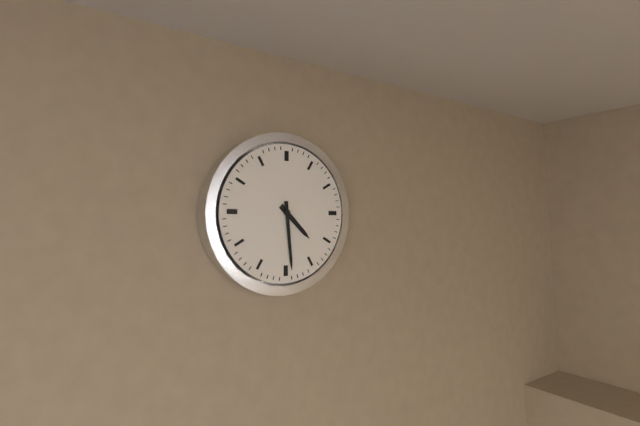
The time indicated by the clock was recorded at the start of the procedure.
4:29
